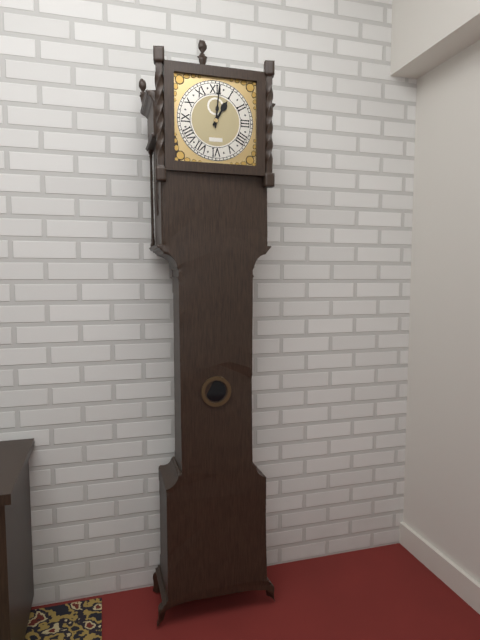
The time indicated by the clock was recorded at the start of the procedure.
1:01
